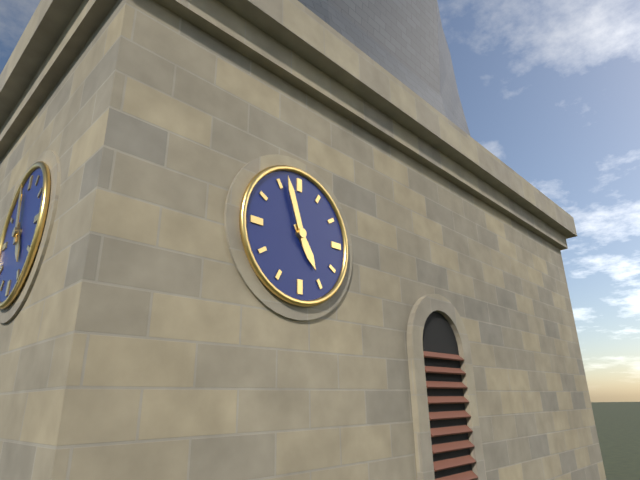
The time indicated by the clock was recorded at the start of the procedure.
4:57
